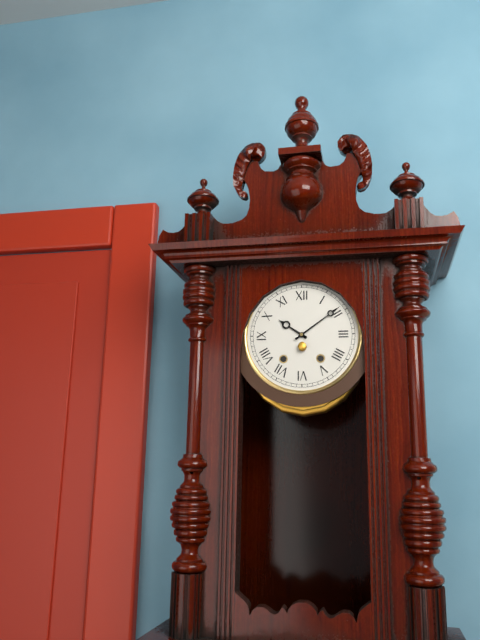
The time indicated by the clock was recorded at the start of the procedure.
10:09
